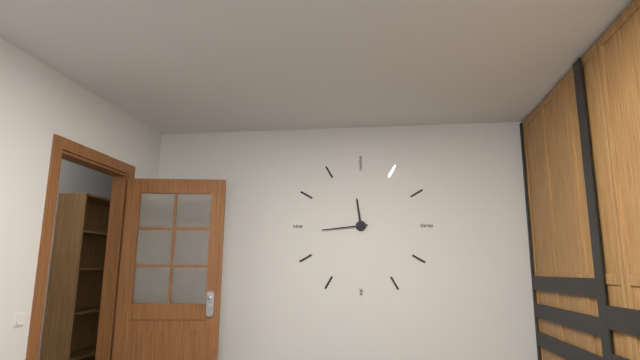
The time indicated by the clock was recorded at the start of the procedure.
11:44
